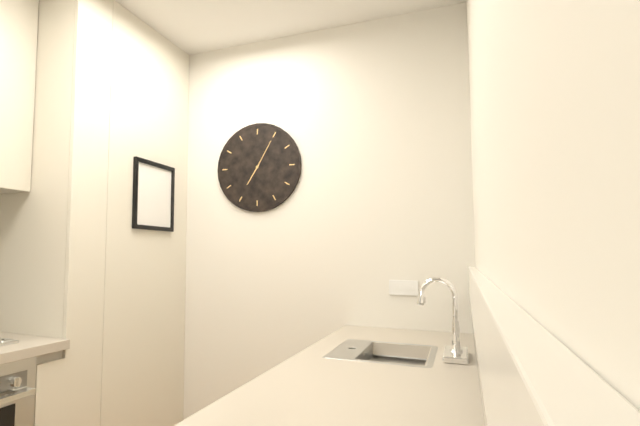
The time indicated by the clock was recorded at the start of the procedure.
7:05
